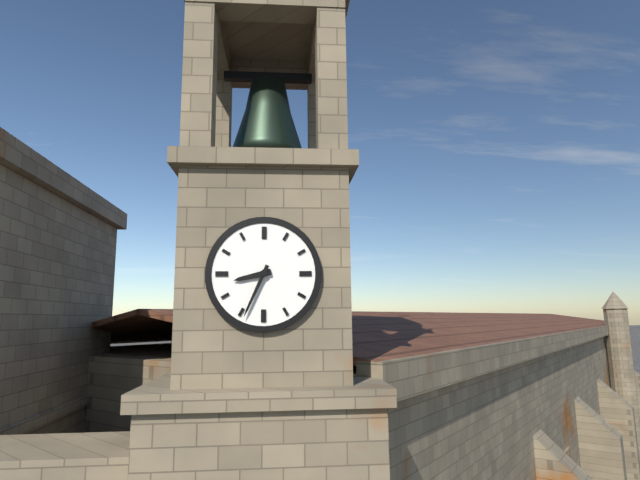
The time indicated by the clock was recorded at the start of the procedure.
8:34
